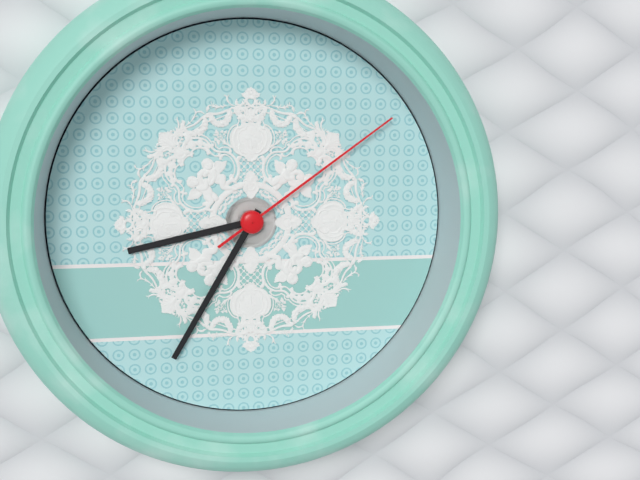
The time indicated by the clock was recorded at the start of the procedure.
8:35:09
